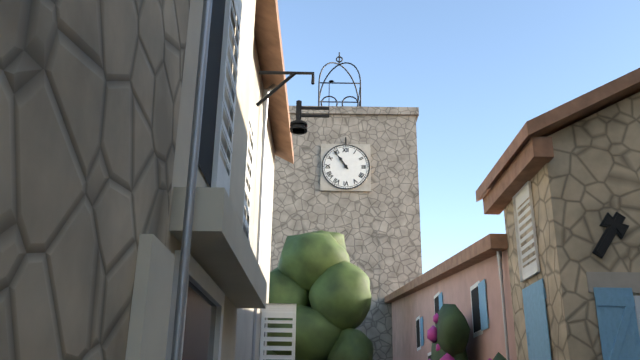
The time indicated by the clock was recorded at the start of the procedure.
10:54
